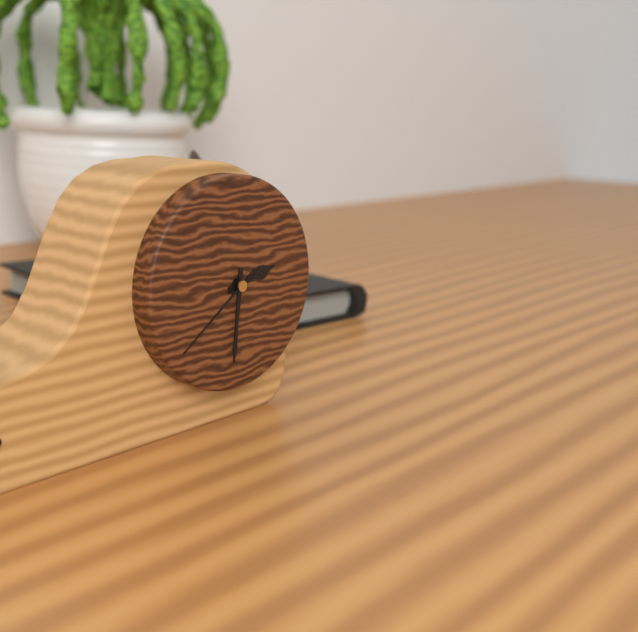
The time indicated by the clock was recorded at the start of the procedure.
2:31:39
